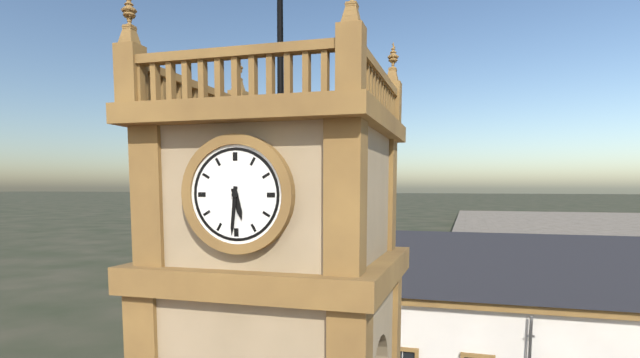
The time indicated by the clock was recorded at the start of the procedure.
5:31
